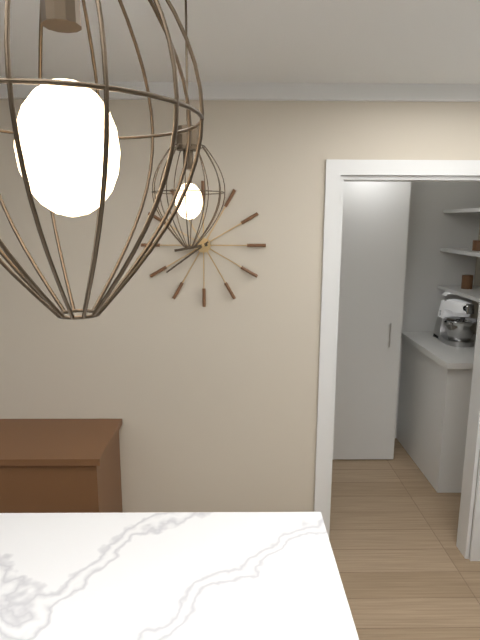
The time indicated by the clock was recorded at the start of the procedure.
8:39
